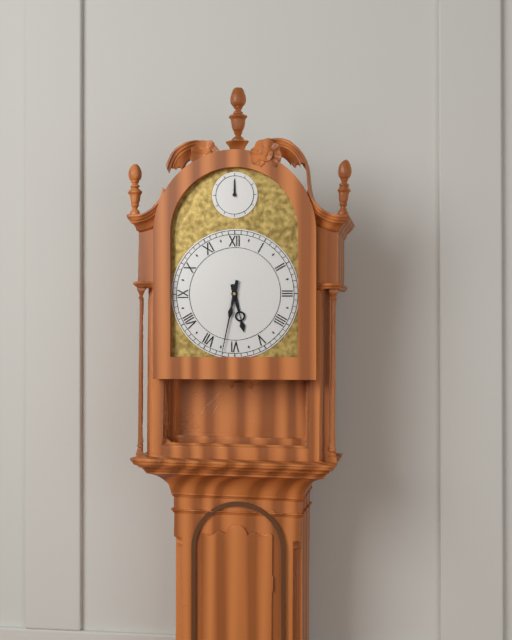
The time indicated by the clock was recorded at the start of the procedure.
5:32
